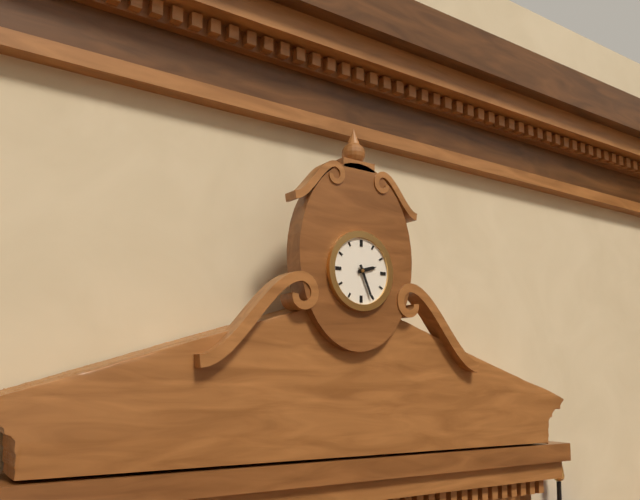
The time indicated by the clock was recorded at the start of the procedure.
2:26
